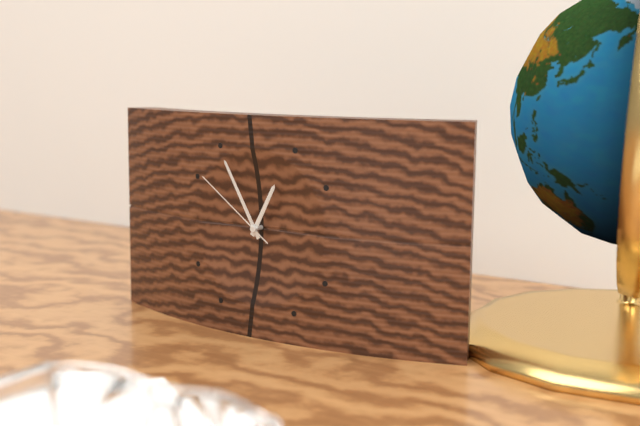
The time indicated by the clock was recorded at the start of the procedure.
12:55:51
